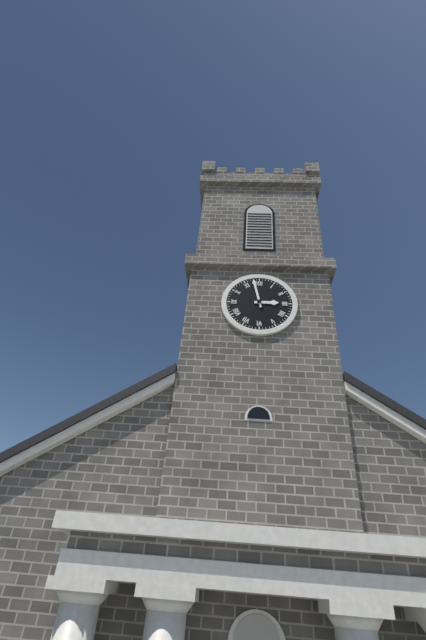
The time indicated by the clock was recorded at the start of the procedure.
2:58
